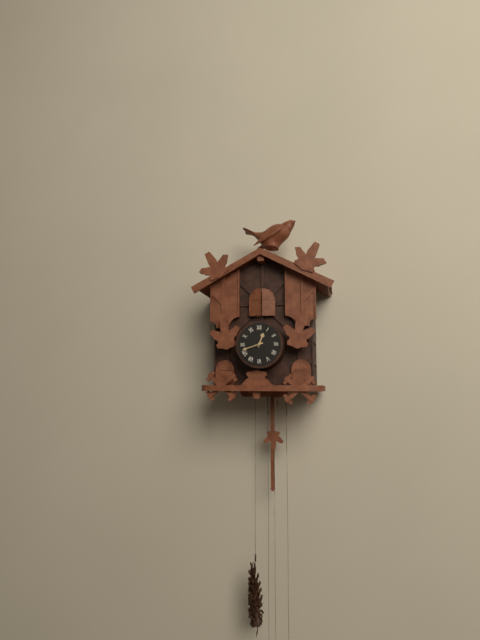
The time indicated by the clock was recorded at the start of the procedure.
12:42
